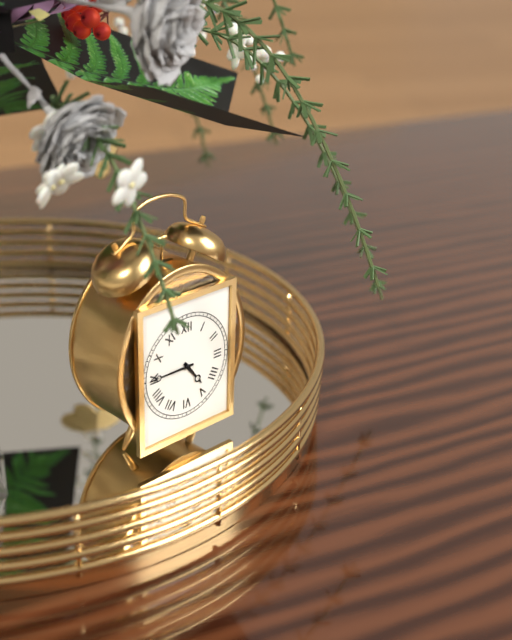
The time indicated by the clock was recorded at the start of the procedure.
4:45
